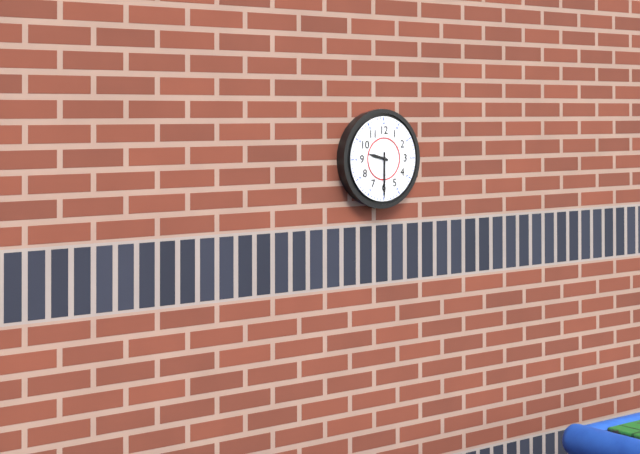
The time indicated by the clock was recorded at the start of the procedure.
9:30
